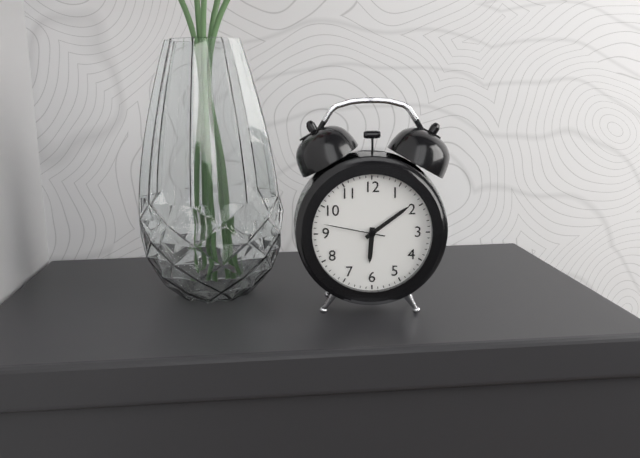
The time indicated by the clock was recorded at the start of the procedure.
6:09:47
